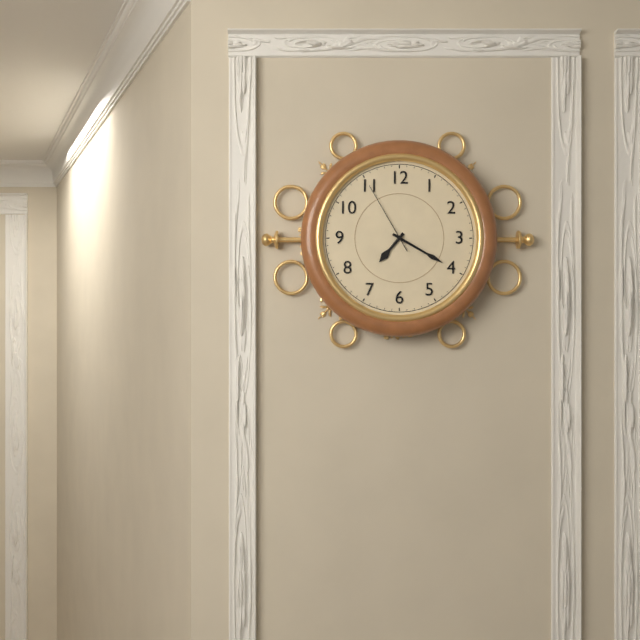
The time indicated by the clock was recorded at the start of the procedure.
7:20:55
